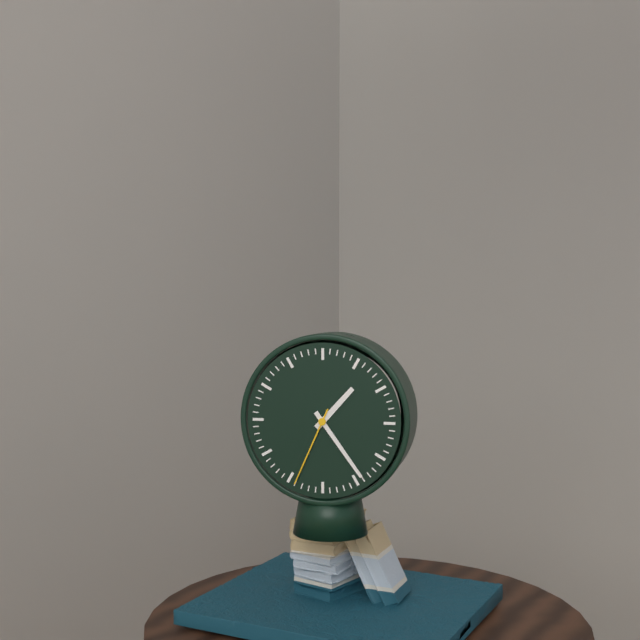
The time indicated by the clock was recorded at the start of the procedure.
1:24:34
